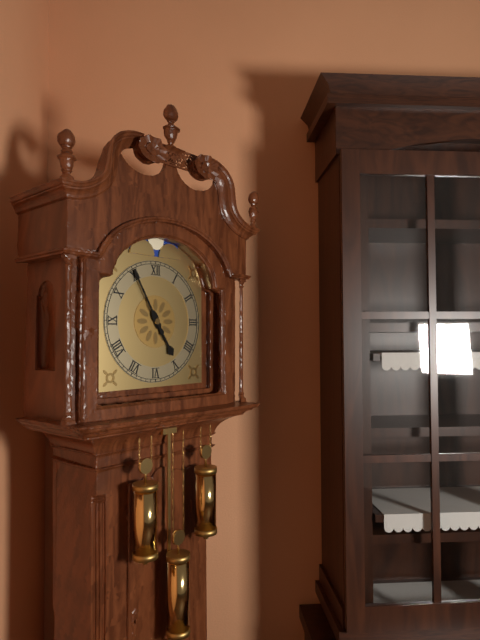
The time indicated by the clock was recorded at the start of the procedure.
4:55
